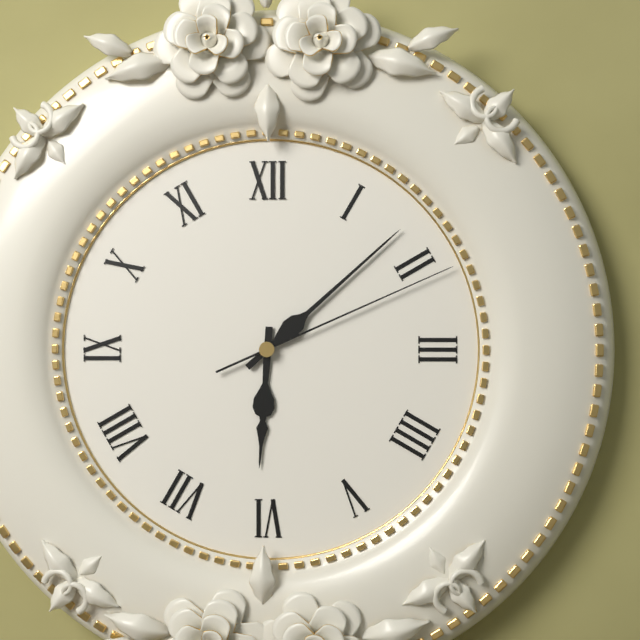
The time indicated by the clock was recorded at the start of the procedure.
6:08:11
